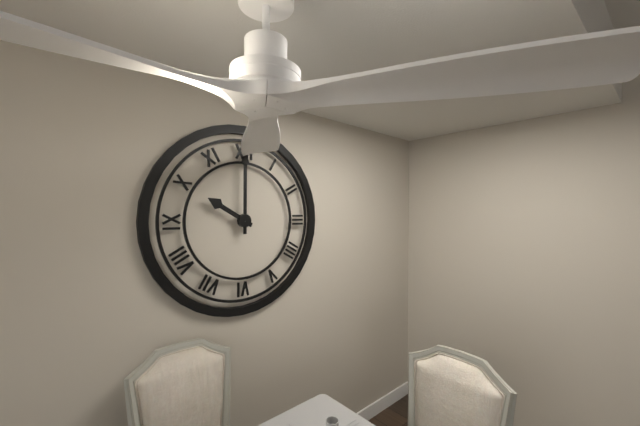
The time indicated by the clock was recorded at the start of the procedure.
10:00
